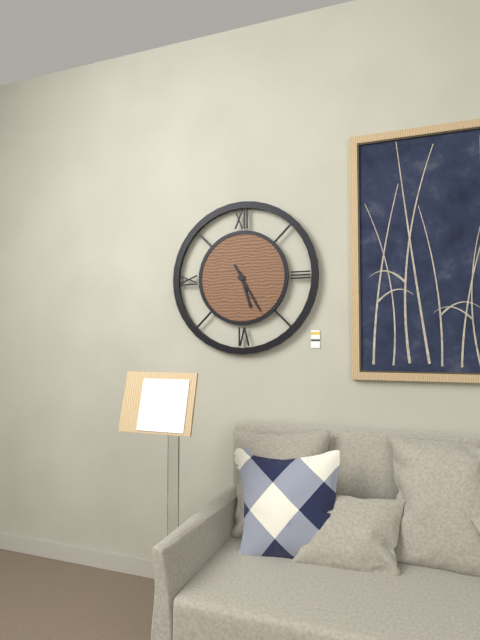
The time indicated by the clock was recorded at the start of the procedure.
5:25
